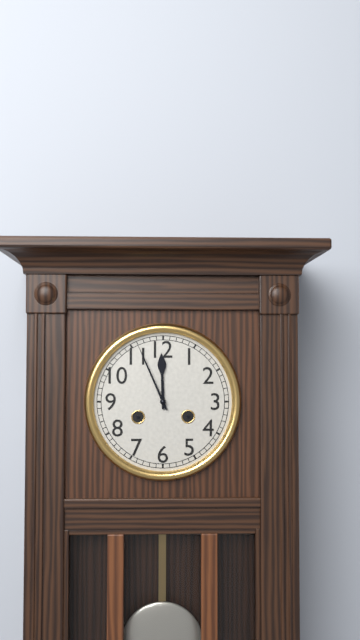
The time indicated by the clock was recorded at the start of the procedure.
11:56
